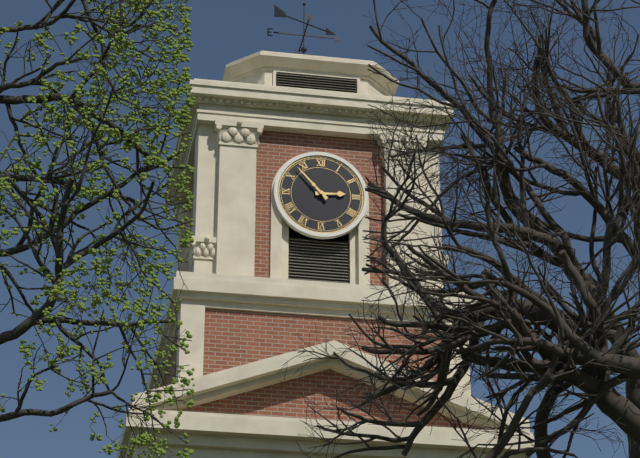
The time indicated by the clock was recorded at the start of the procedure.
2:53
